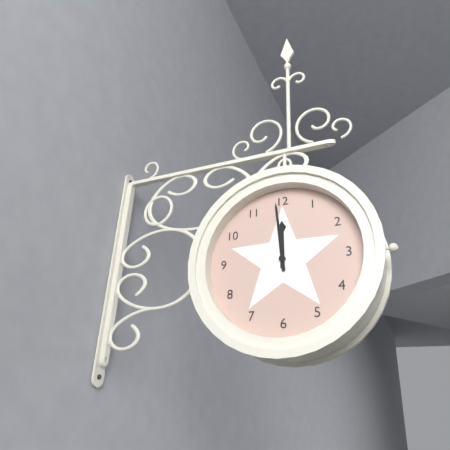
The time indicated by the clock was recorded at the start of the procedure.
11:59
